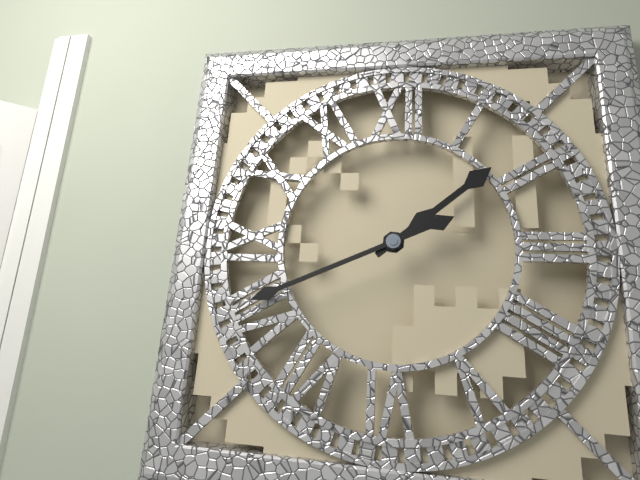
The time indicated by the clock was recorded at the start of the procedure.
1:41
